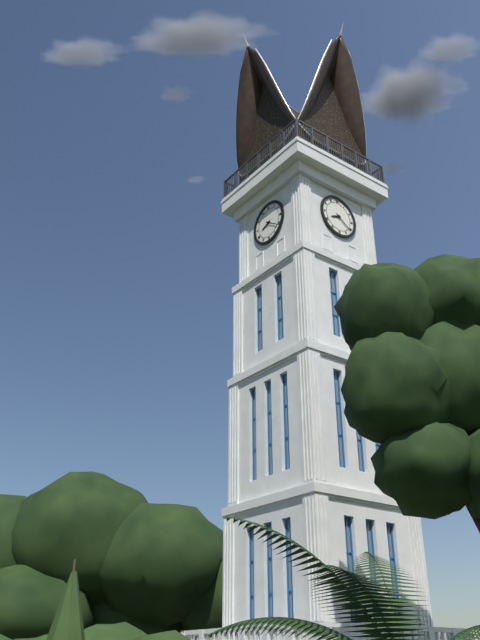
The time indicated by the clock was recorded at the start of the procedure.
8:21
